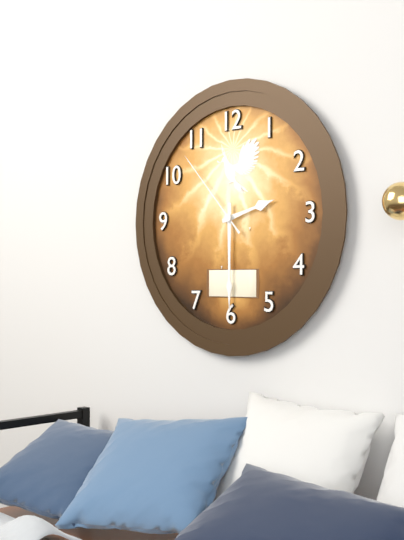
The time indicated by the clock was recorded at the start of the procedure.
2:30:53
